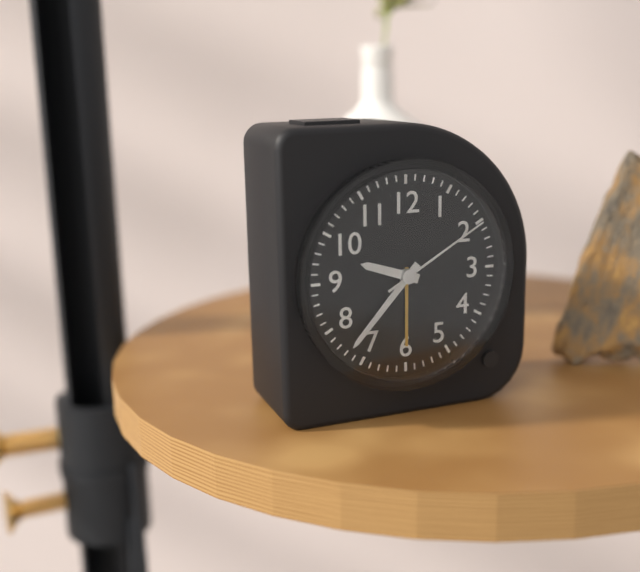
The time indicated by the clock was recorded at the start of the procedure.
9:37:10
